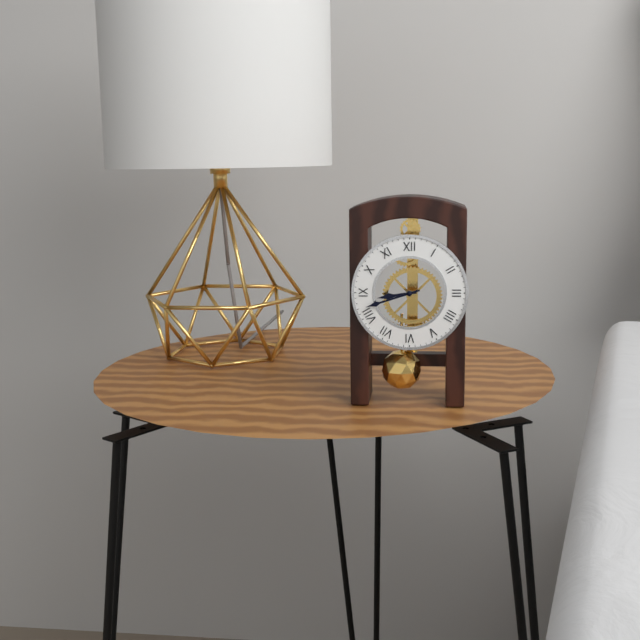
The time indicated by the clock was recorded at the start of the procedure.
8:42
